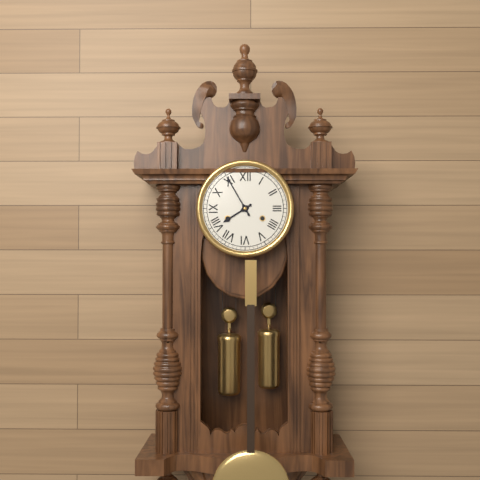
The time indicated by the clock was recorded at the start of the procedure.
7:55
